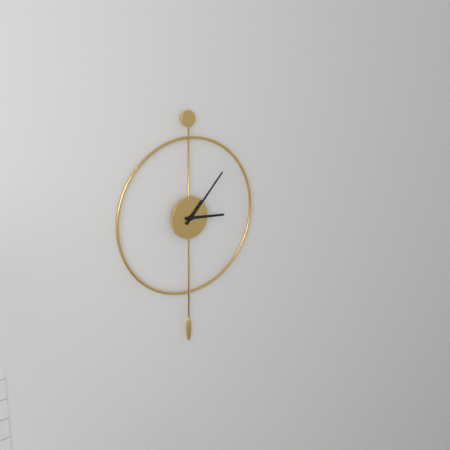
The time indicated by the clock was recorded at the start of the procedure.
3:07
